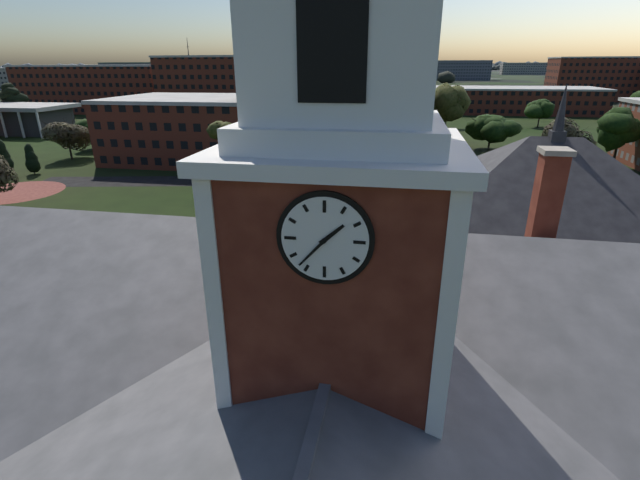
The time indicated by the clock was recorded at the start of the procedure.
1:37
